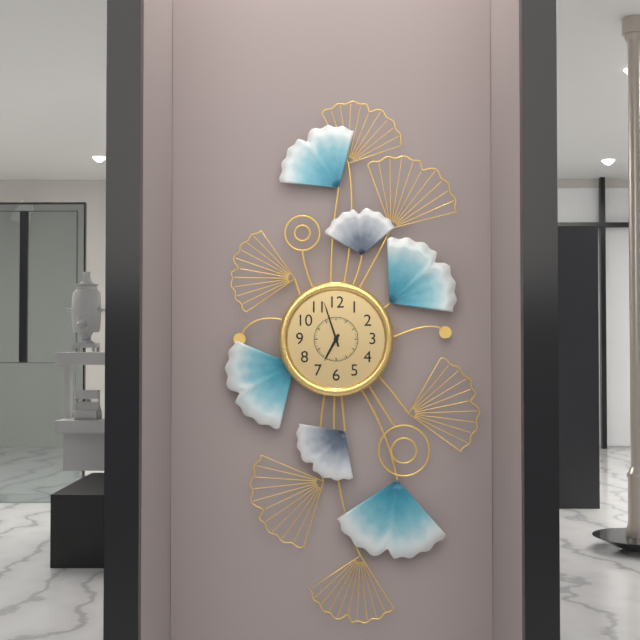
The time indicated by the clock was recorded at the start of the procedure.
6:57
